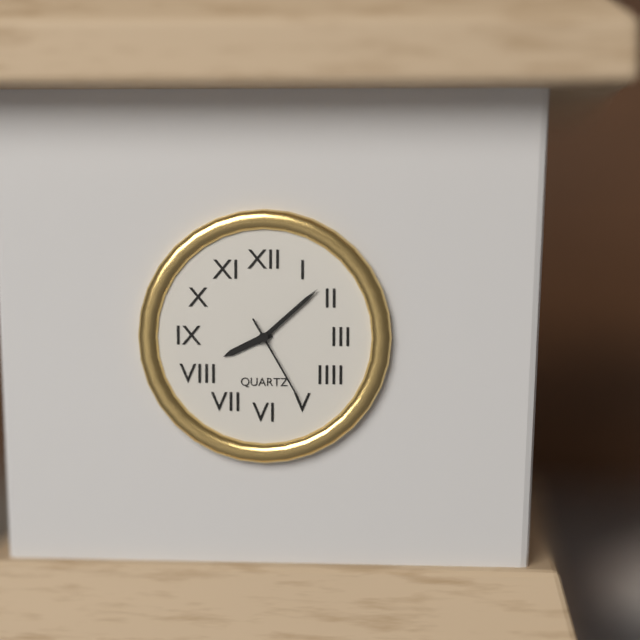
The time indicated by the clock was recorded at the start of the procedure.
8:08:25
